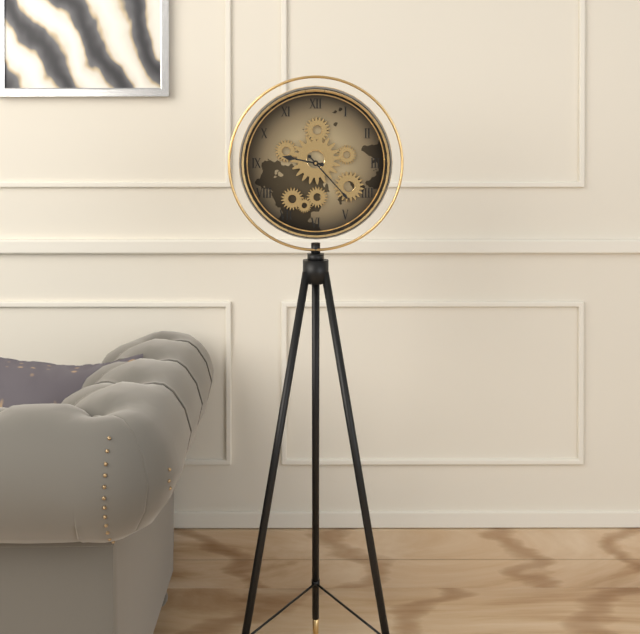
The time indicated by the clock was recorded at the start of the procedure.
9:23
